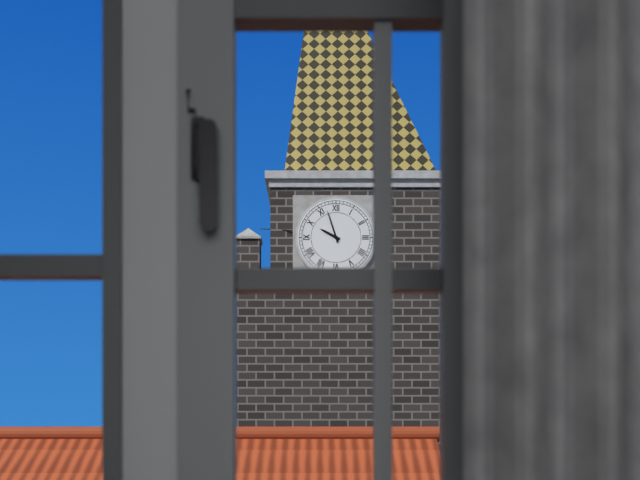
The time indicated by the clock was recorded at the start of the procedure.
9:57
